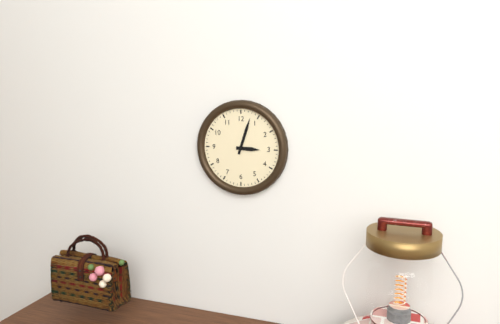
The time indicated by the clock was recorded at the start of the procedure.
3:03
